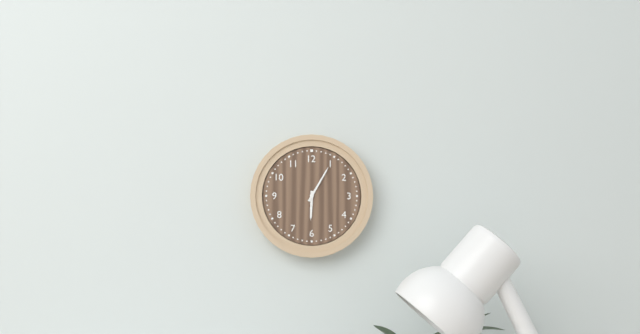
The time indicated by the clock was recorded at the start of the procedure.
6:05
